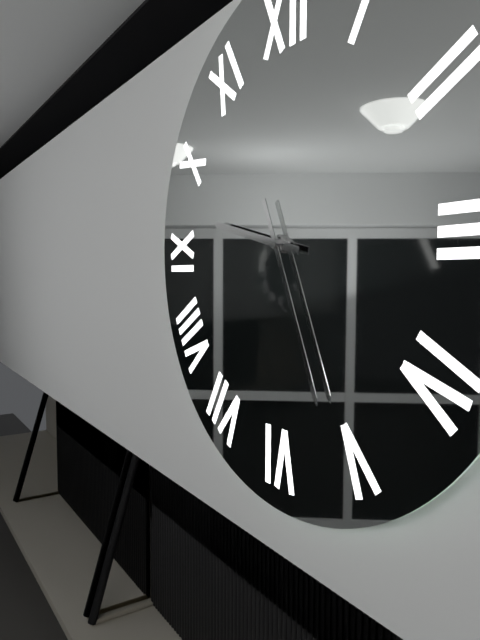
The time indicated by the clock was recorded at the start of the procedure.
9:26
